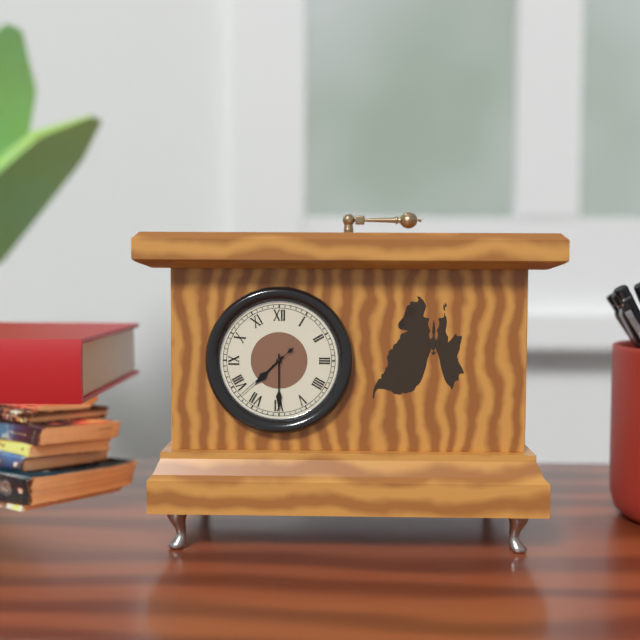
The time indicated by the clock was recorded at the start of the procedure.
7:30:38
